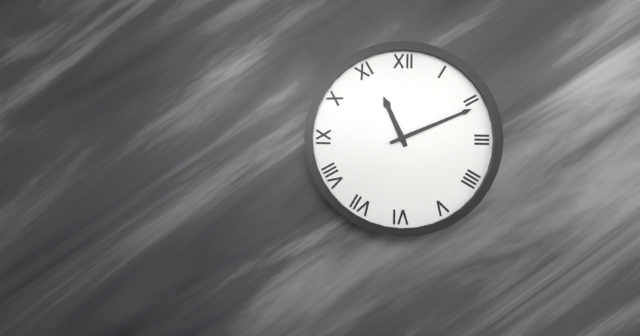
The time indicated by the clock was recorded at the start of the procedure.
11:11
